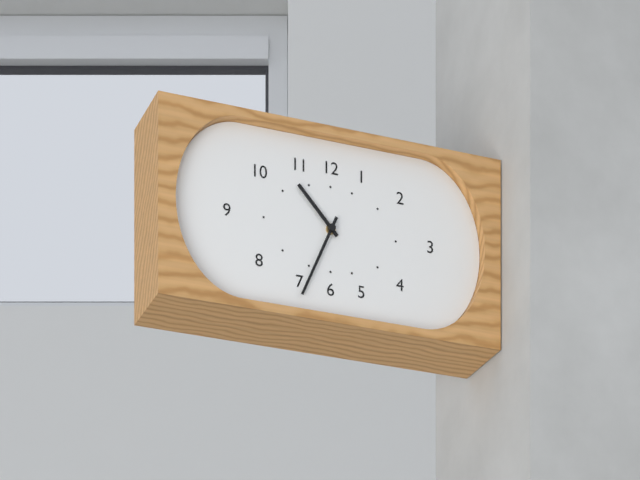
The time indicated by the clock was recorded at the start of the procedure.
10:34
